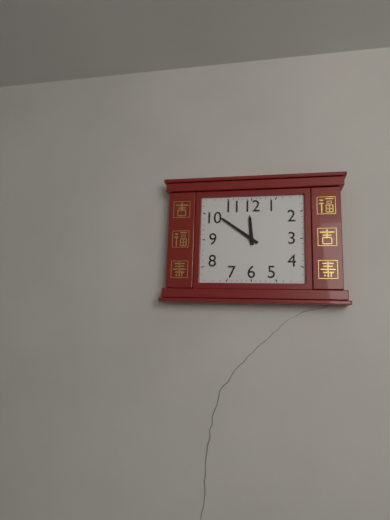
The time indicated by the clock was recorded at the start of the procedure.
11:51
